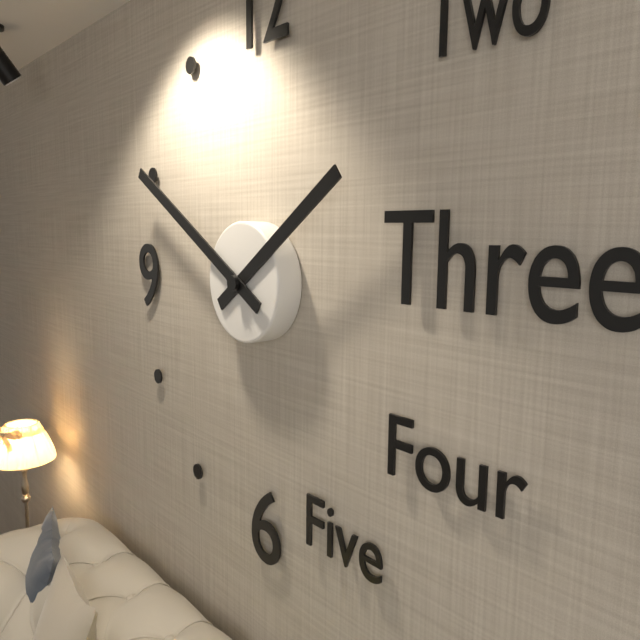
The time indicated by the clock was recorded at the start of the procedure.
1:50
